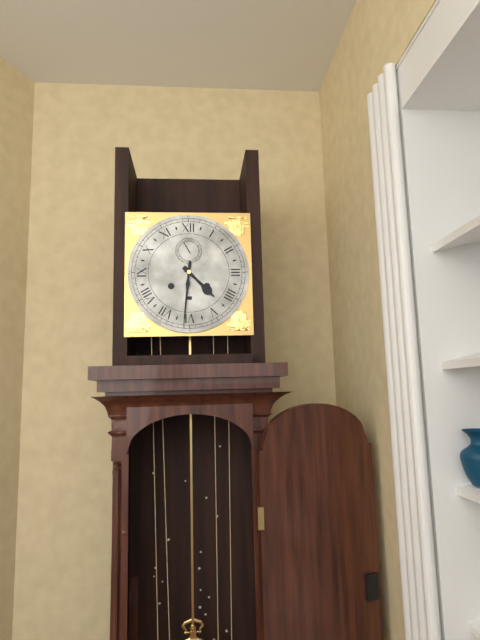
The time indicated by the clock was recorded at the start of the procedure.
4:31
